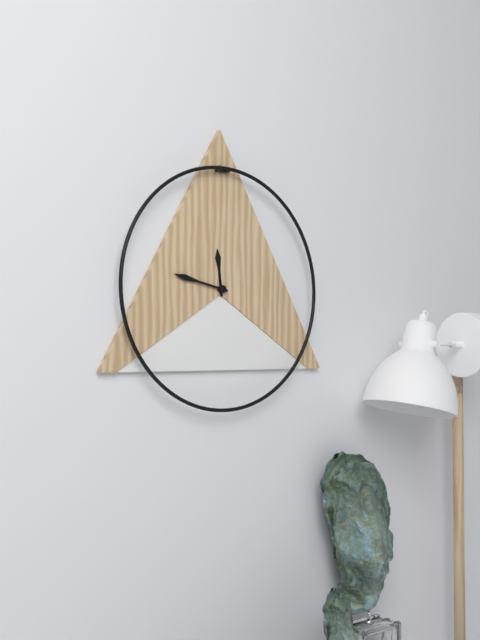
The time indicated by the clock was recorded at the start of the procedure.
11:47
